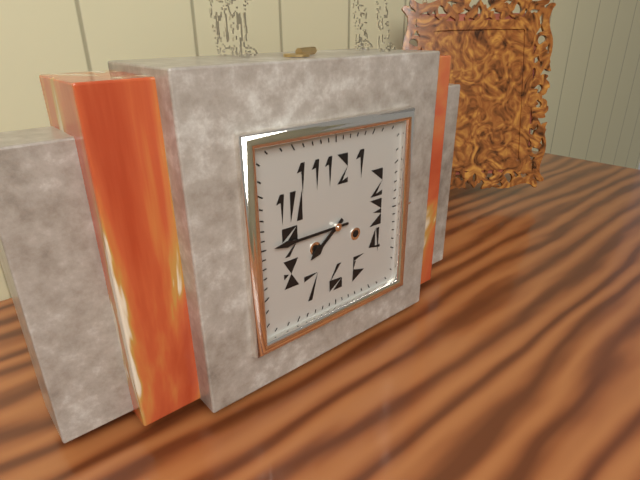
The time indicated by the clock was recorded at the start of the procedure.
7:45
